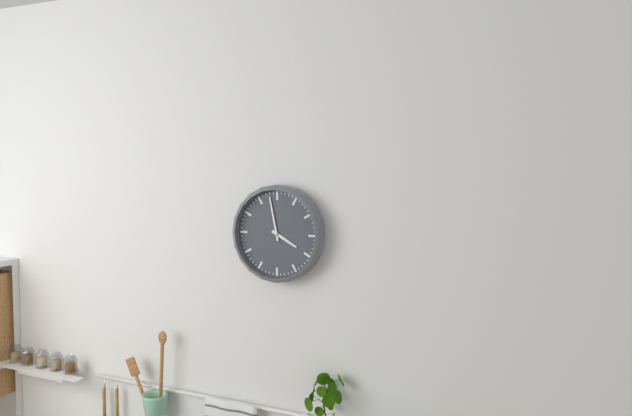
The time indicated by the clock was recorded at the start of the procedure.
3:58
